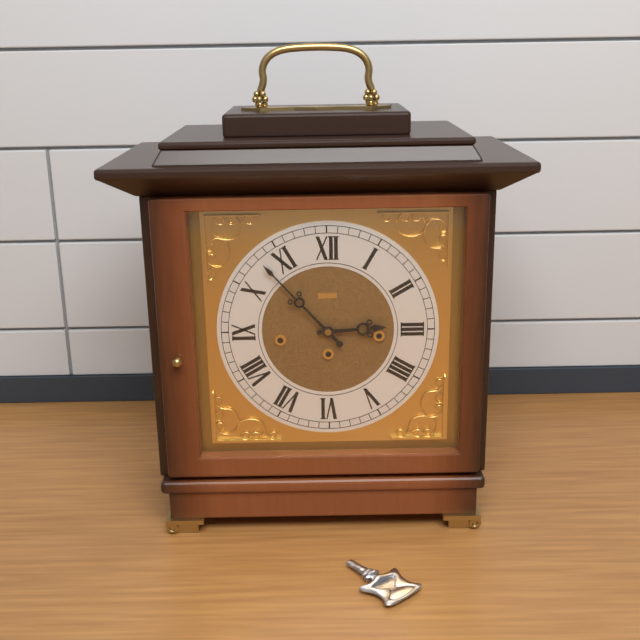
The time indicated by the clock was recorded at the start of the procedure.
2:53
